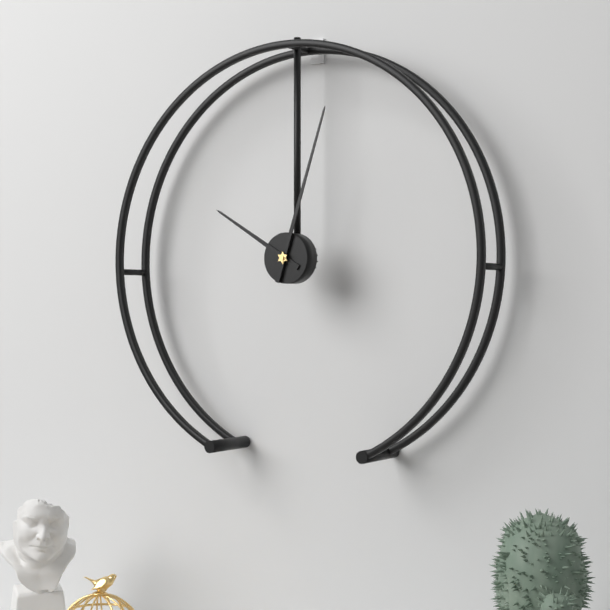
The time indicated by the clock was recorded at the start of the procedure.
10:03
